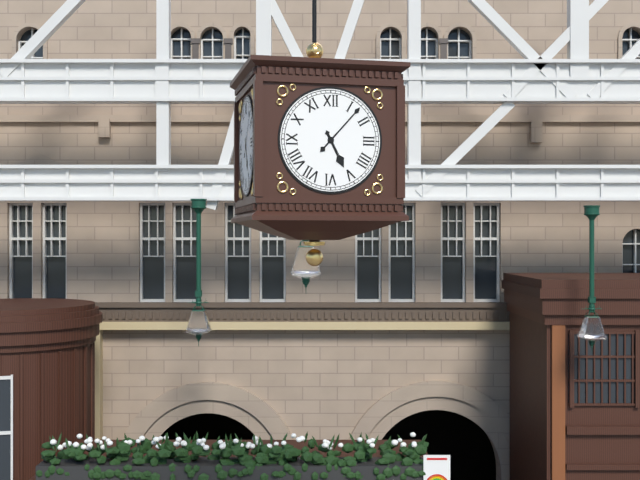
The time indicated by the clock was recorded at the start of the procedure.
5:07
